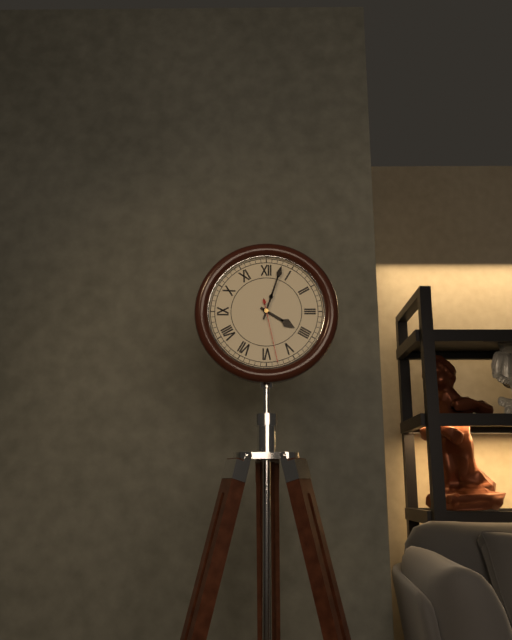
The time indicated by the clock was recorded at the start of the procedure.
4:03:28
